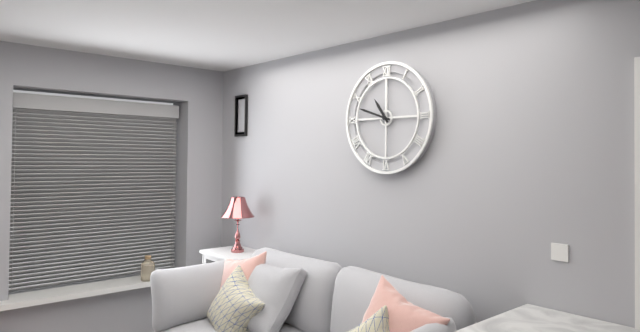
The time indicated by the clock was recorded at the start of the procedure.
10:48
